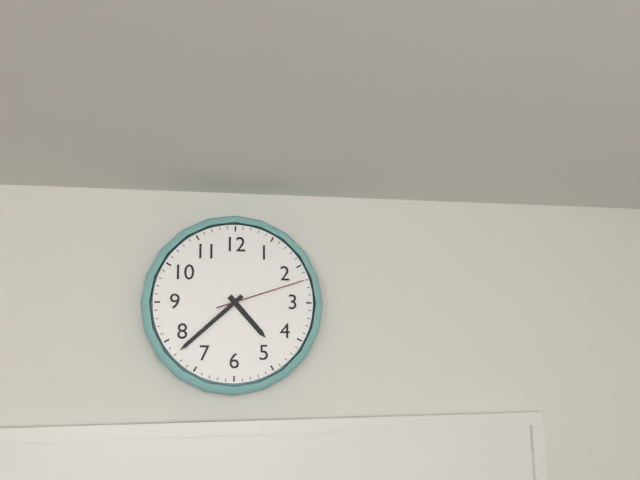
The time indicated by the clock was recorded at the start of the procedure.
4:38:12
